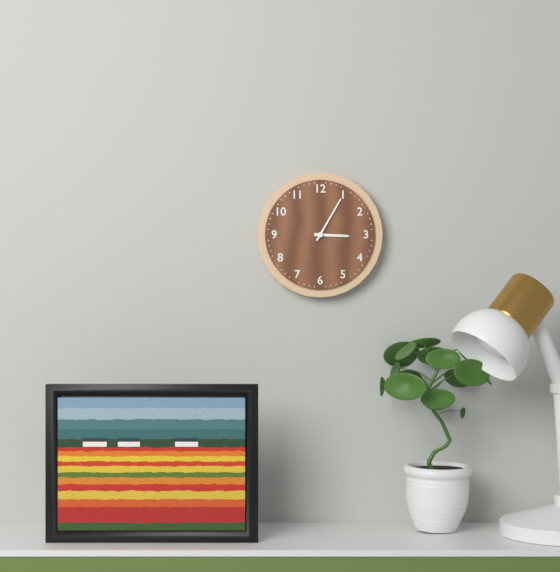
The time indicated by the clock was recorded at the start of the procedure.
3:05
